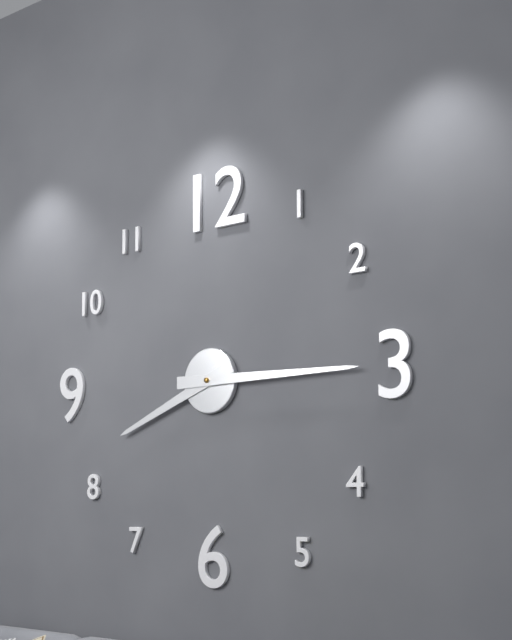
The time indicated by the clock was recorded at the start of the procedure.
8:15
